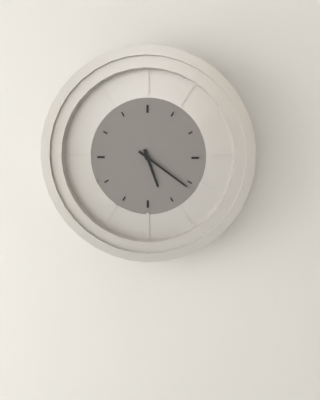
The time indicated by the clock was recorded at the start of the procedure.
5:21
